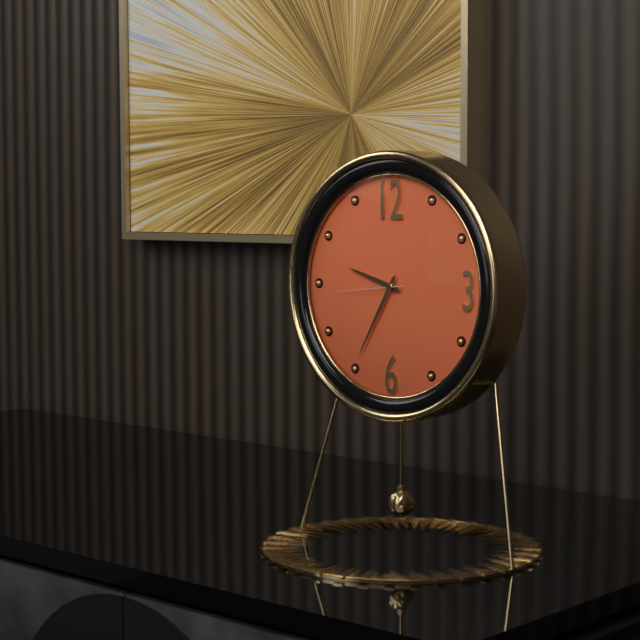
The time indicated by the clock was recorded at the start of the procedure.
9:35:44
